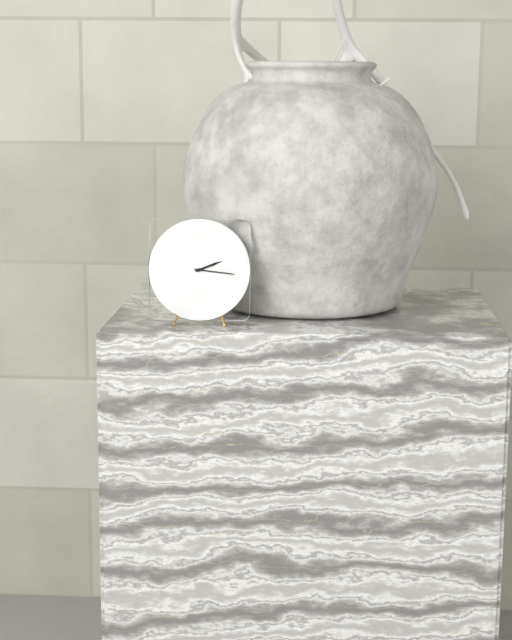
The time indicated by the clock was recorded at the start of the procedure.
2:16
